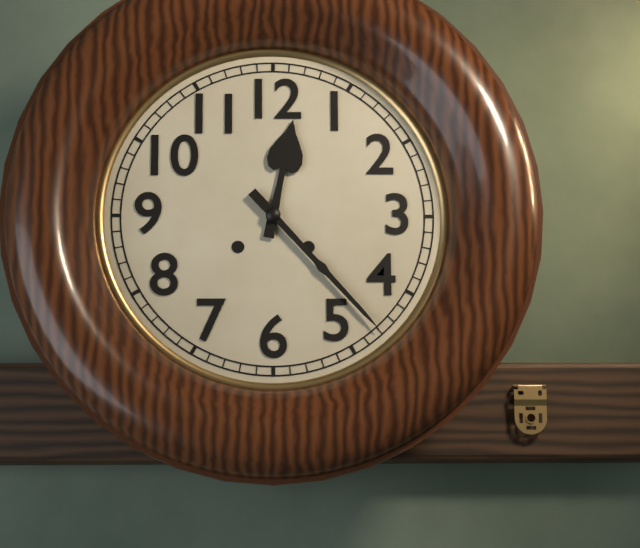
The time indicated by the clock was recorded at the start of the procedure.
12:23
